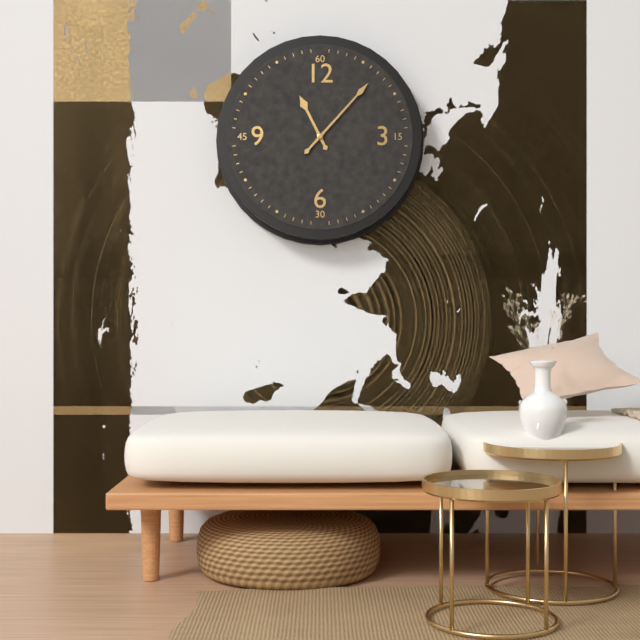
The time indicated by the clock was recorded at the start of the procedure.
11:07
